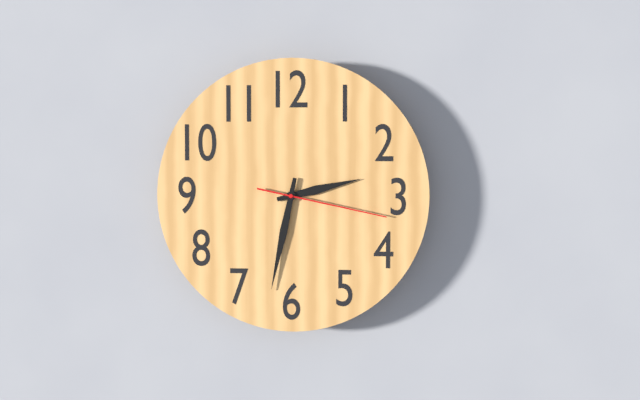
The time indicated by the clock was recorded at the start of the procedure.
2:32:17
